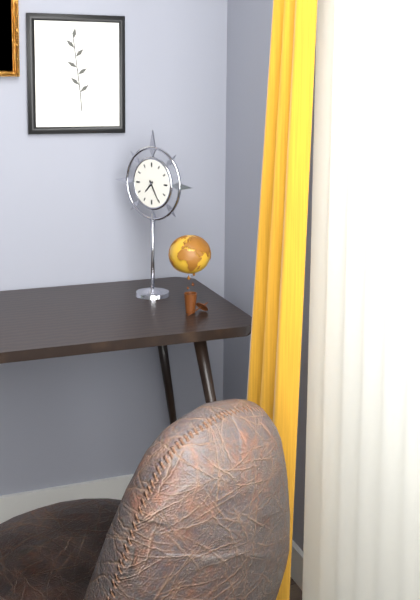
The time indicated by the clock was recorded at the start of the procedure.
7:25
